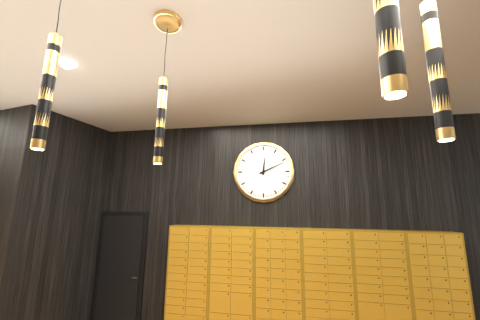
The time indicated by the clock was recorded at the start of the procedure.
12:11
